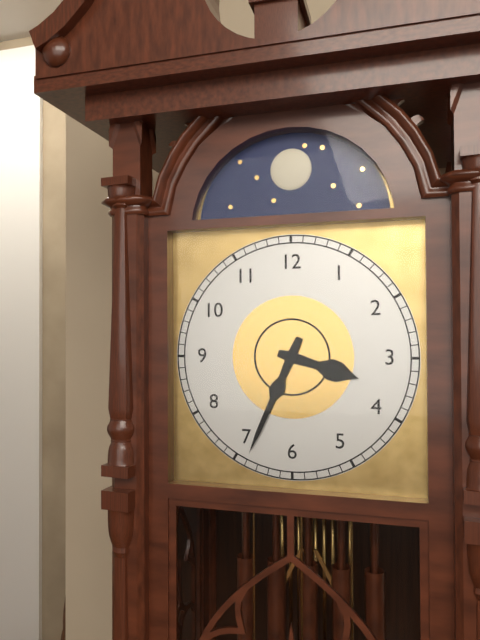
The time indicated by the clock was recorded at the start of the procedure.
3:34
